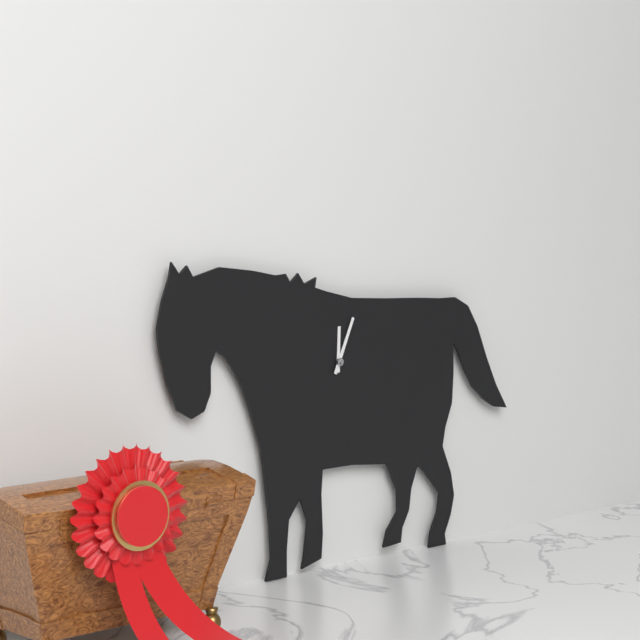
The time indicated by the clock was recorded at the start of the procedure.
12:04
